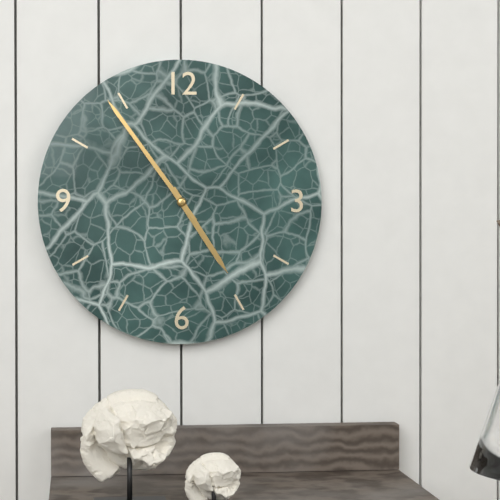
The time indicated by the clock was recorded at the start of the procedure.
4:54
